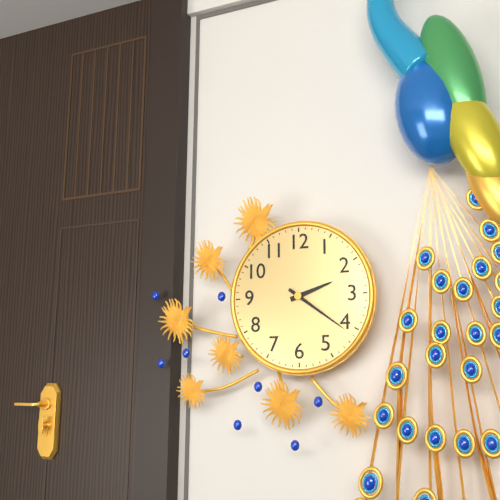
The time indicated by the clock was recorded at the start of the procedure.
2:21
